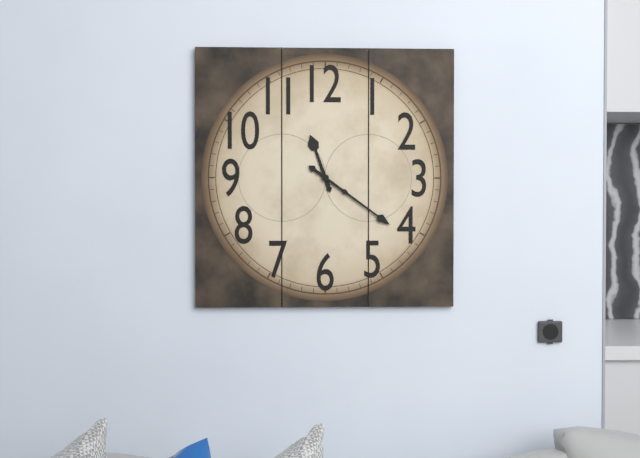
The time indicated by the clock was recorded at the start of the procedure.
11:21
